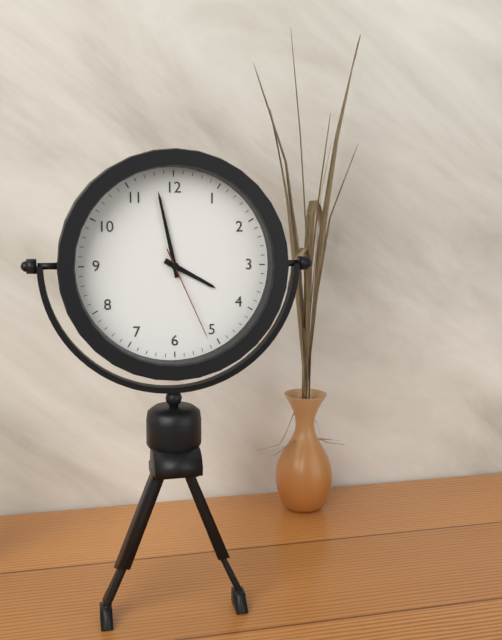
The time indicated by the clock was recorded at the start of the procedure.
3:58:26
